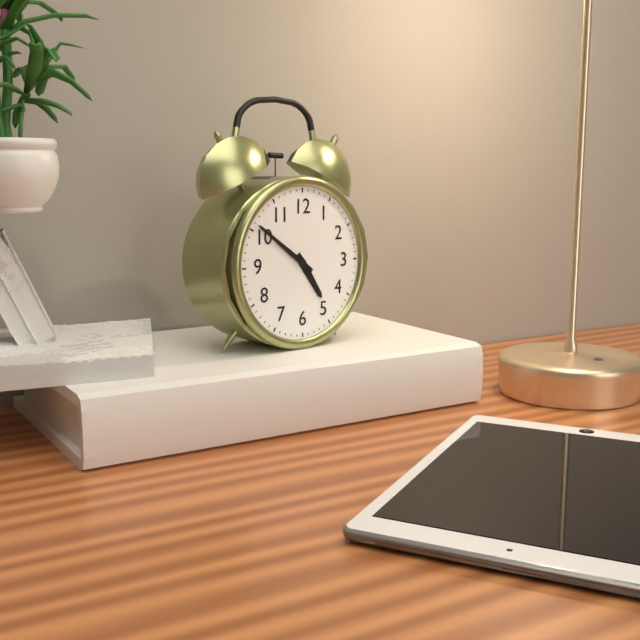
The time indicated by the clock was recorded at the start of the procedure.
4:51
